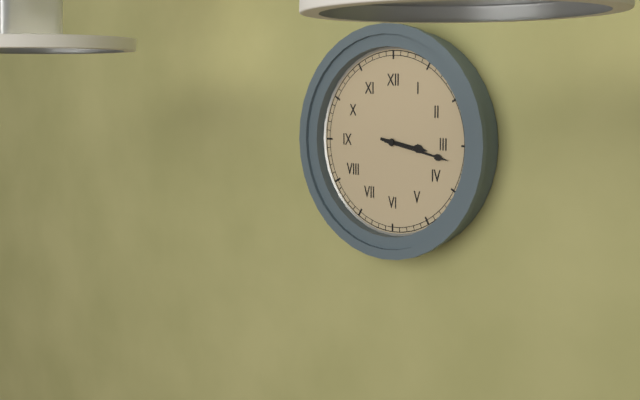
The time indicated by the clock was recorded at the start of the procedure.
3:17
